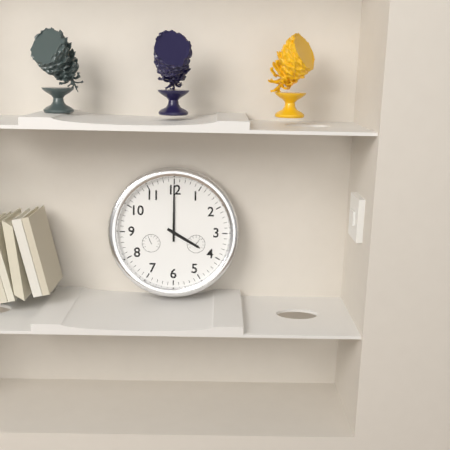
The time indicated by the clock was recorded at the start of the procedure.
4:00
